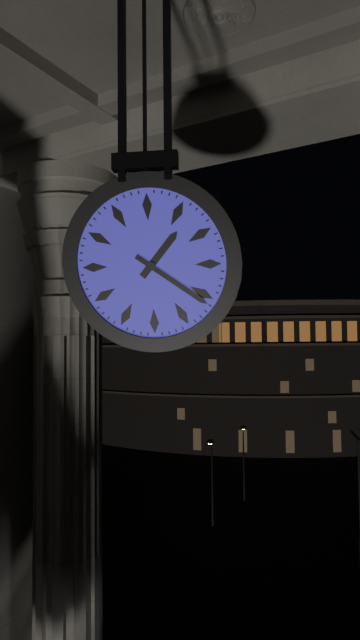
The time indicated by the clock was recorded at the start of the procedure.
1:21
